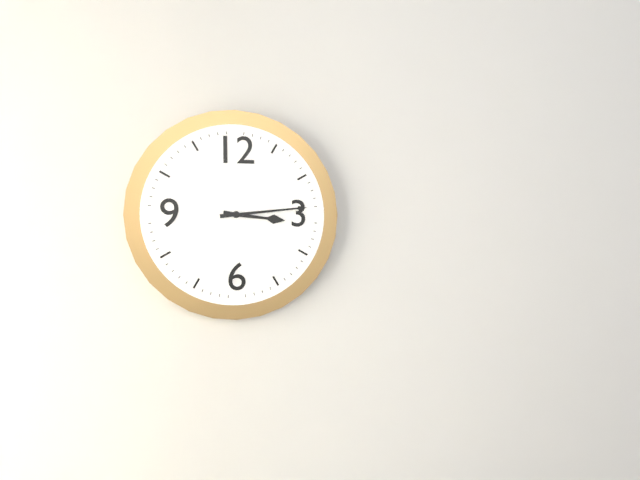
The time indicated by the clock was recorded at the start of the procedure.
3:14
